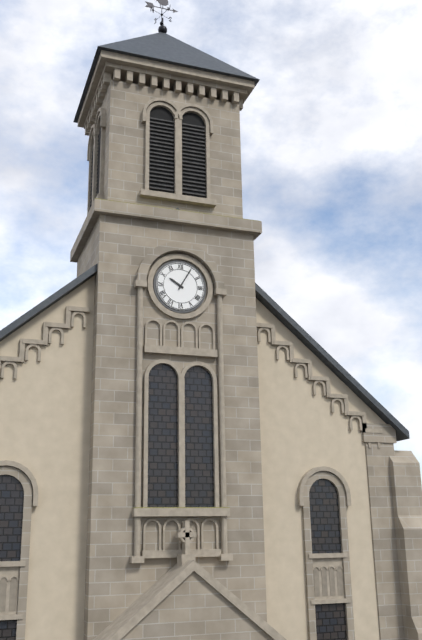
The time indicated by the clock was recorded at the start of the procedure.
10:05
